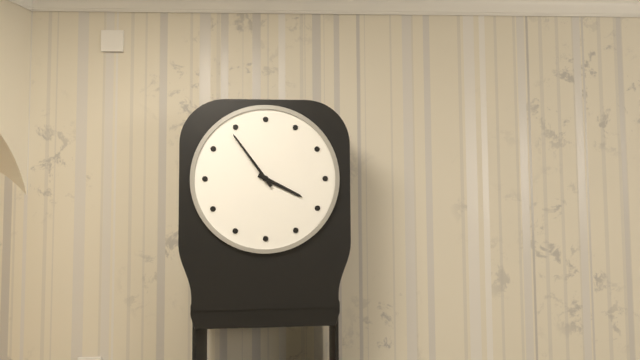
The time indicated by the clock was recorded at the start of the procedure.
3:54
